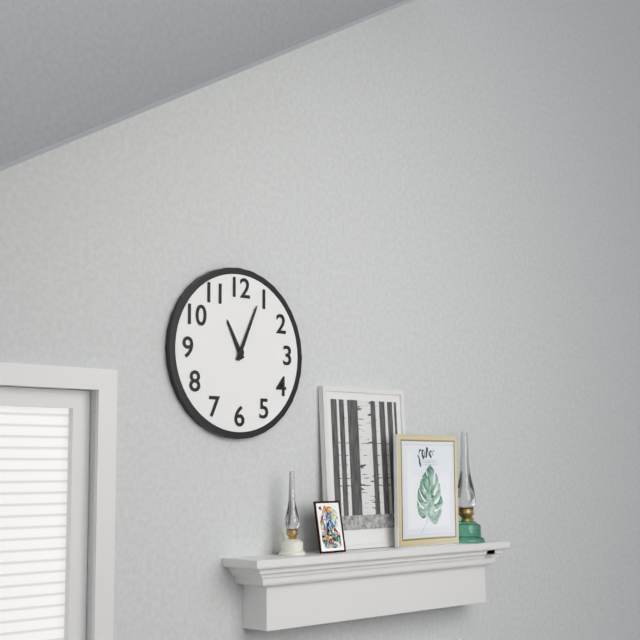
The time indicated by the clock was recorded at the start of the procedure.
11:04
